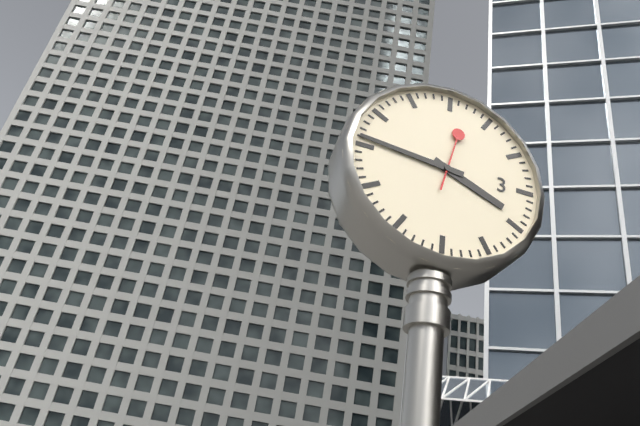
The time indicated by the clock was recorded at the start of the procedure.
3:46:02
